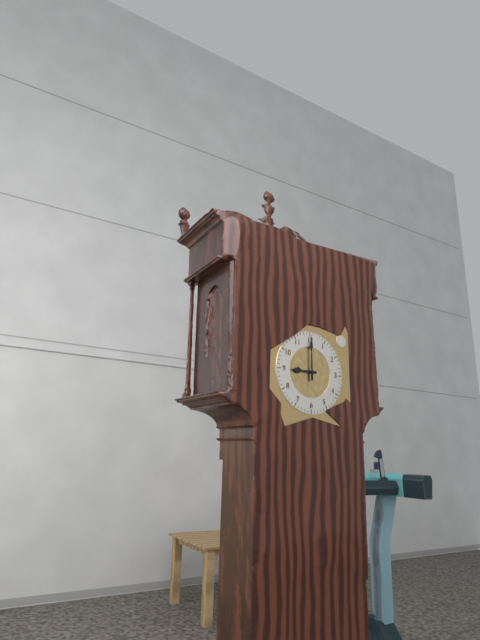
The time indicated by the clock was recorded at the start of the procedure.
9:00
